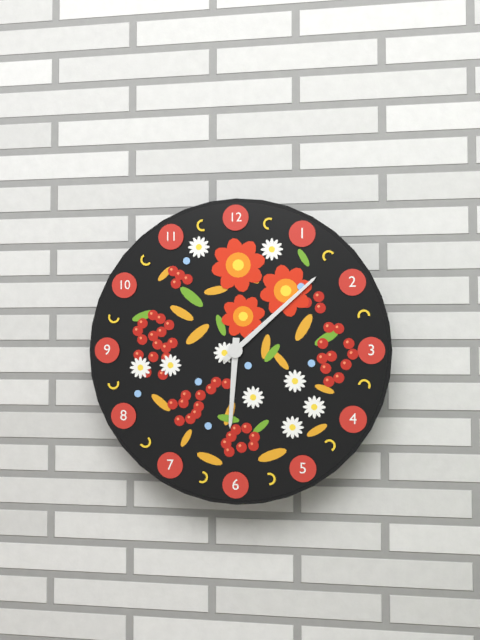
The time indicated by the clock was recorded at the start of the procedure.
6:08
